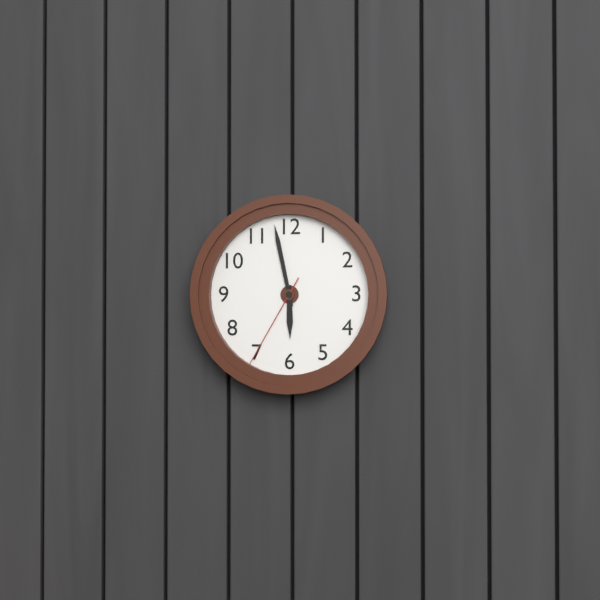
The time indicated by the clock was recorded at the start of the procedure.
5:58:35
